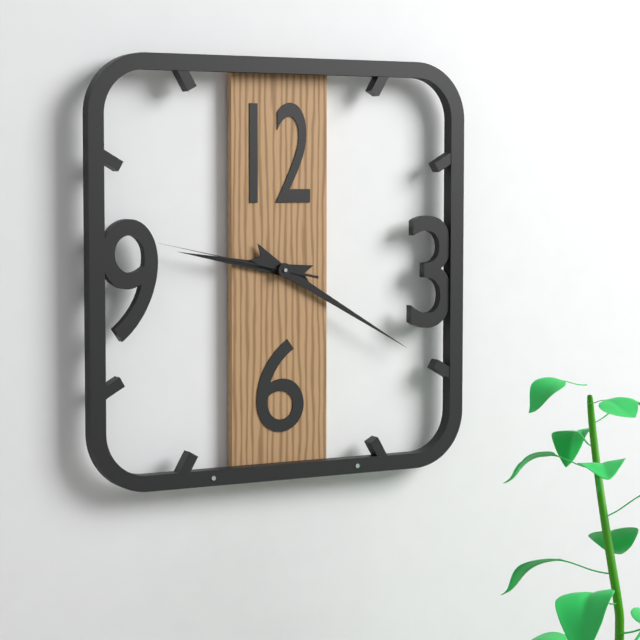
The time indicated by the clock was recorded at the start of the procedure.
9:20:47
